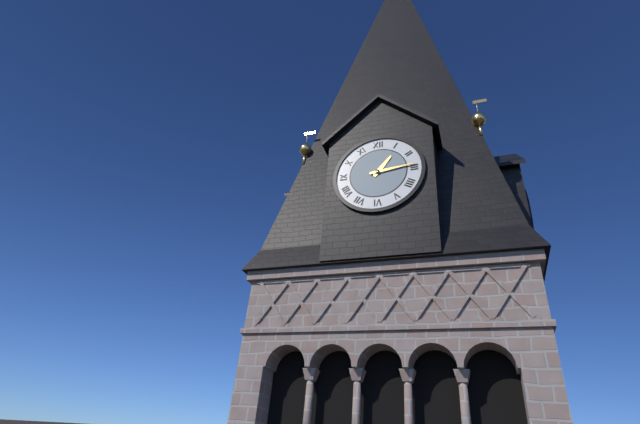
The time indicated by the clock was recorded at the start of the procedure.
1:14
